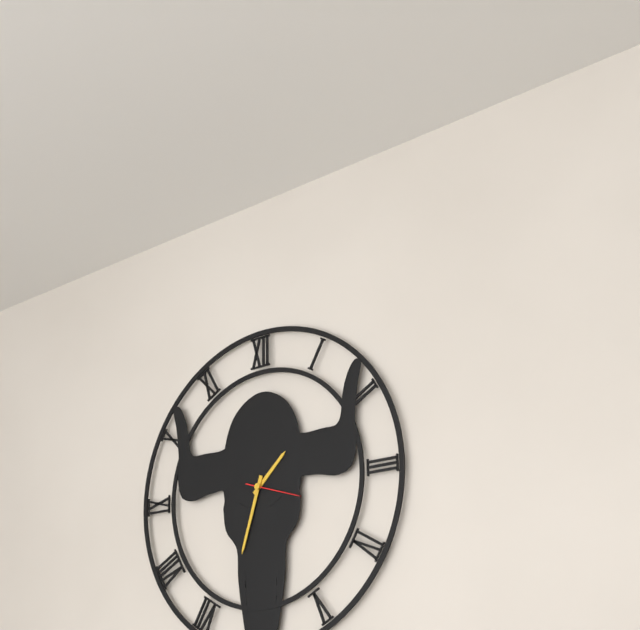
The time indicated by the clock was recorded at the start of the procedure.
1:33:18
